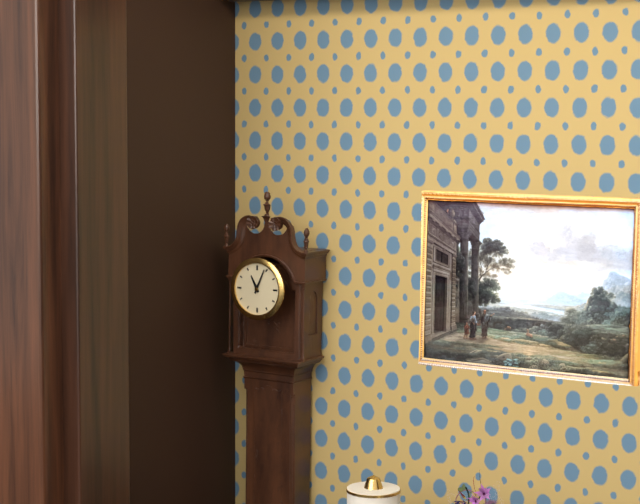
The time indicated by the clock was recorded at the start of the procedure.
11:04
